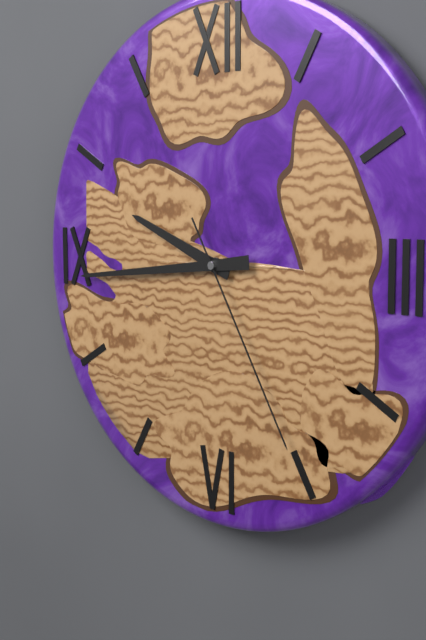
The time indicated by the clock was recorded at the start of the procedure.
9:44:25
